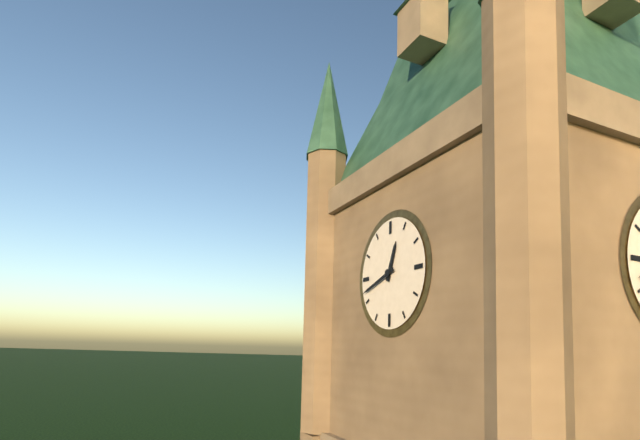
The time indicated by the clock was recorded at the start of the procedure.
12:42
